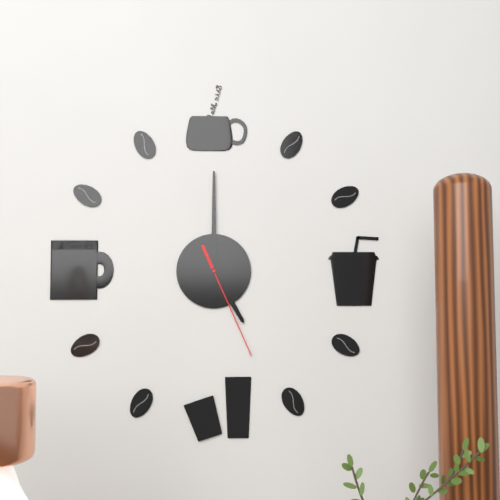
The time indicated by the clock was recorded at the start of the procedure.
5:00:26
